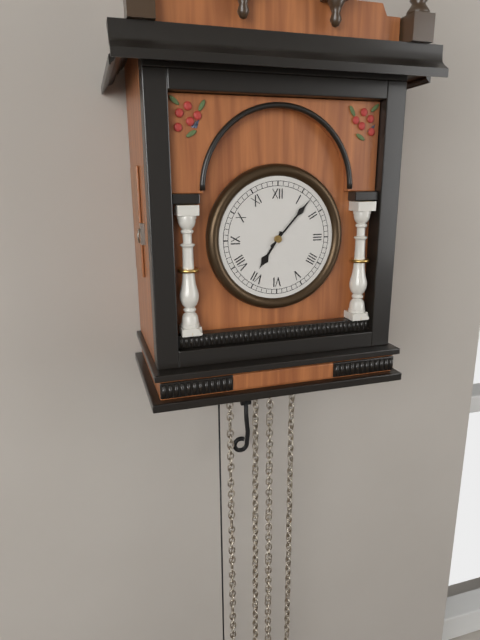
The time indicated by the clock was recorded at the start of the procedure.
7:07
